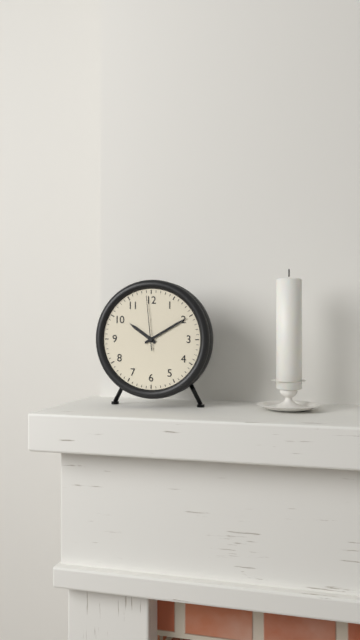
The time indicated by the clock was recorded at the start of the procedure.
10:10:59
